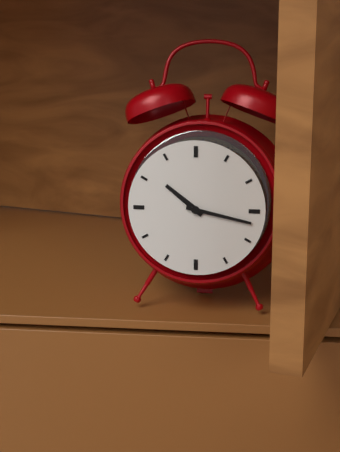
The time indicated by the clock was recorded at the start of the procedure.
10:17
